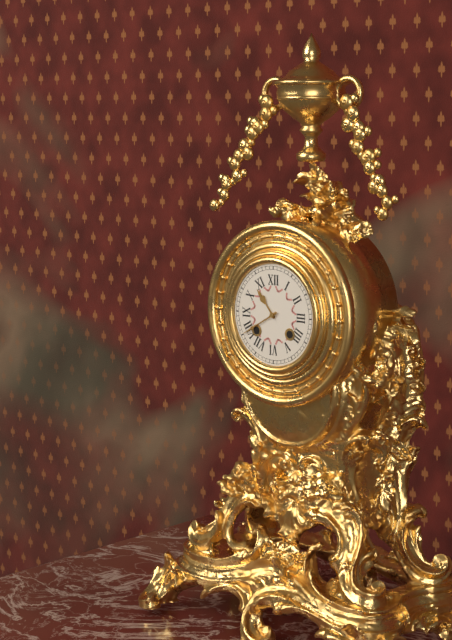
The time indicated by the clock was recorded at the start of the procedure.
10:40
